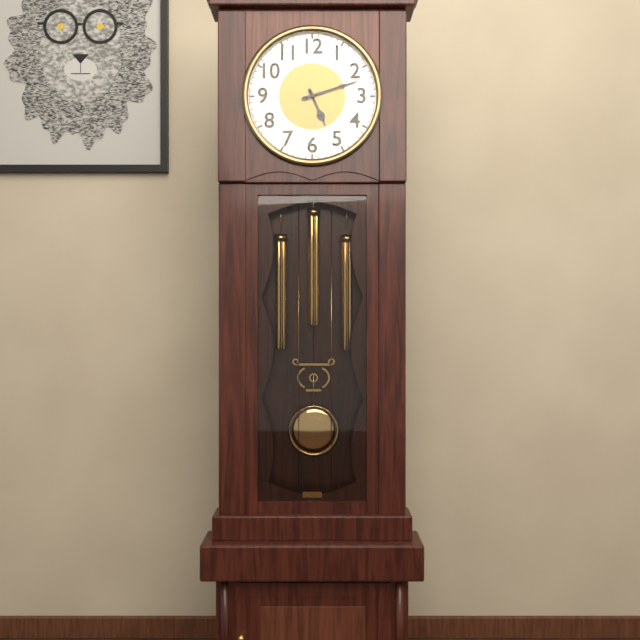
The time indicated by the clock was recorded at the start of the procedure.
5:12
